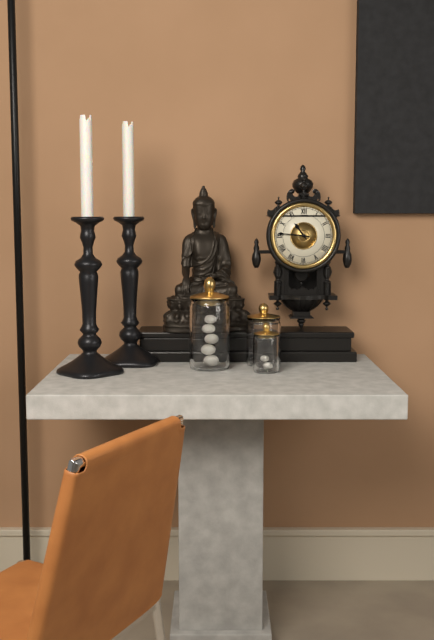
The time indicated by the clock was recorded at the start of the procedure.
10:46
